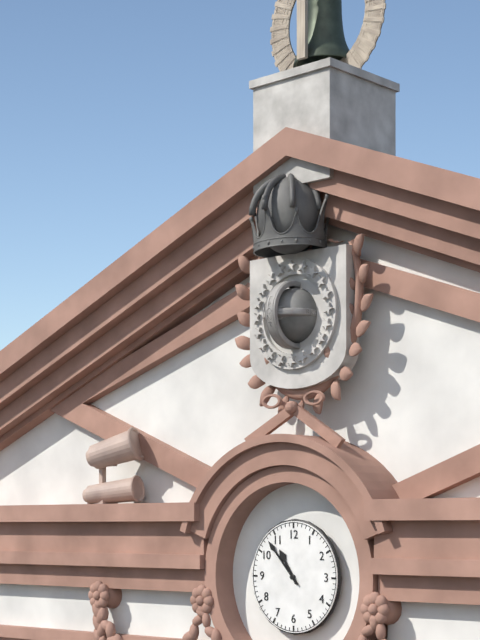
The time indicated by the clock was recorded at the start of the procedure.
10:53
